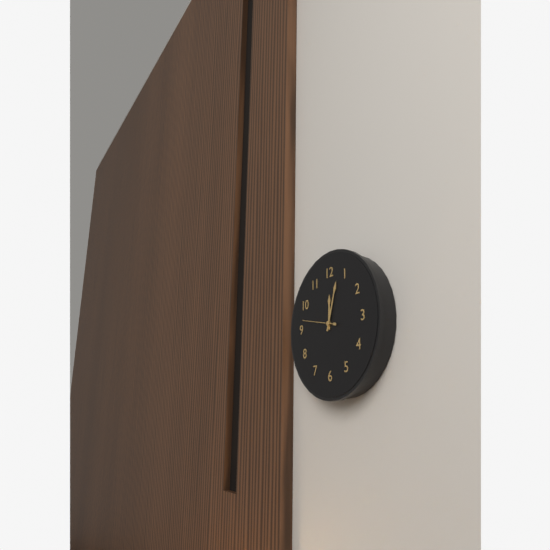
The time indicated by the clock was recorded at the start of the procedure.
12:03
